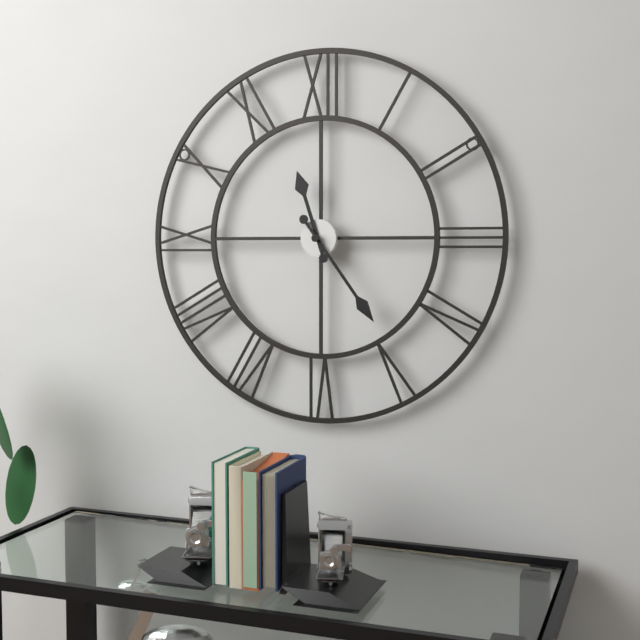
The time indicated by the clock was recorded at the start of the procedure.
11:24
